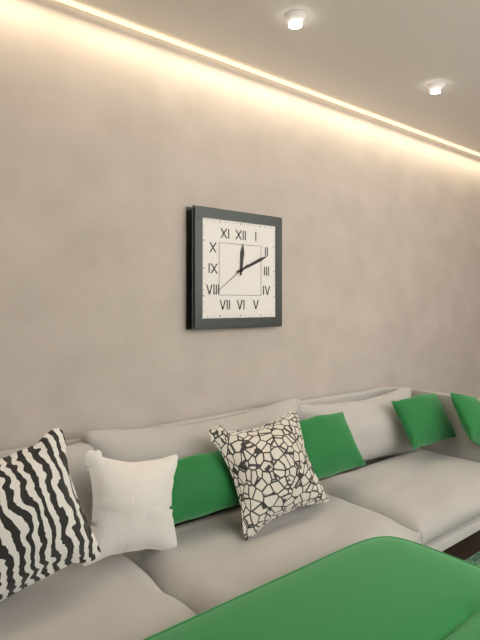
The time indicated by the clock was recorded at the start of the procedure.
12:11
